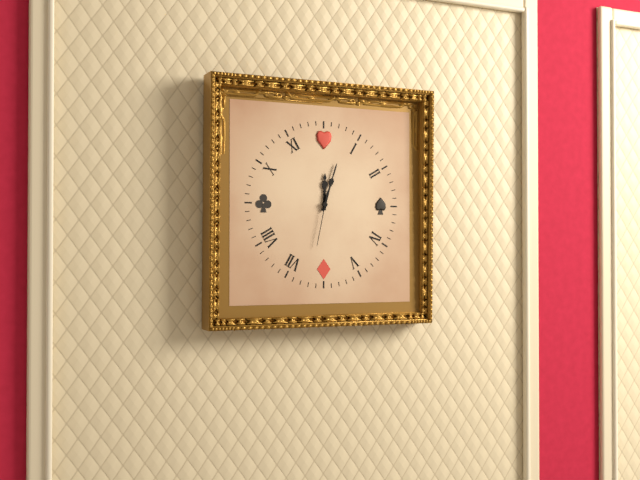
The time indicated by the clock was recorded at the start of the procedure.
12:03:32
